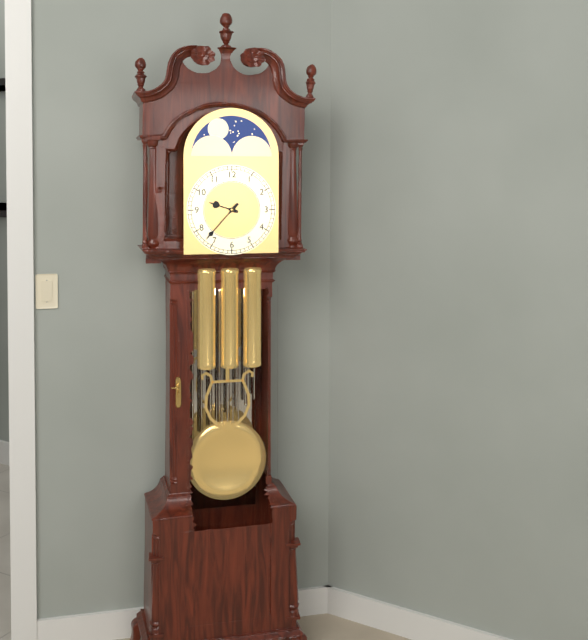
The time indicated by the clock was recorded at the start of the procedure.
9:37
